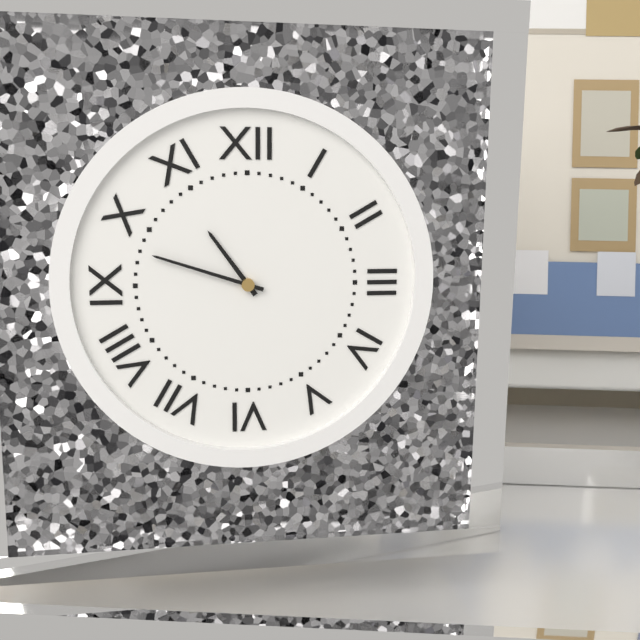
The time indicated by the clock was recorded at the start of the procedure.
10:48
